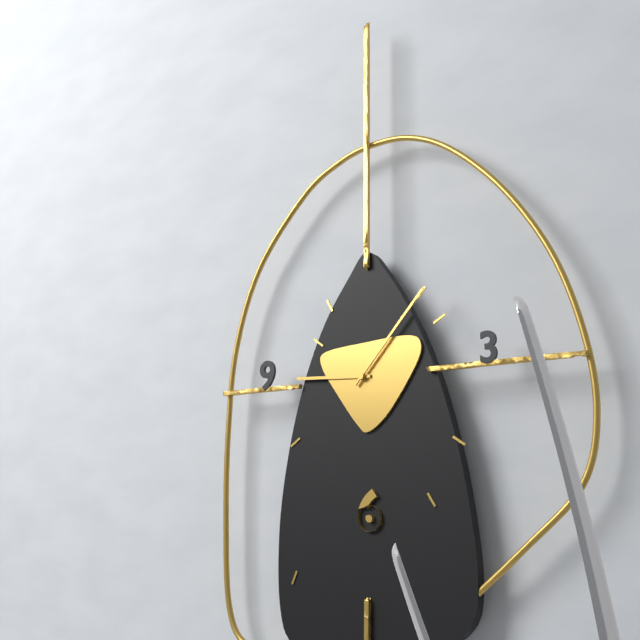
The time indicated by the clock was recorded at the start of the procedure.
9:07
